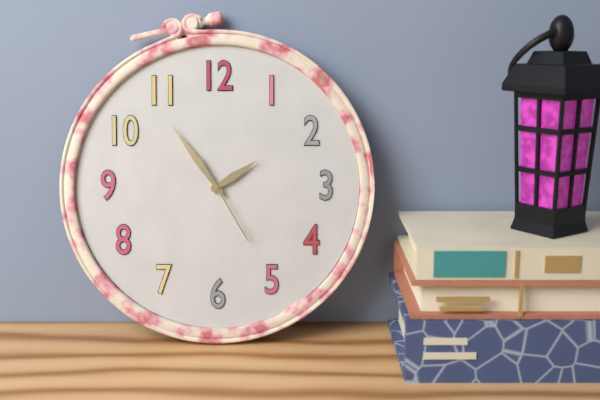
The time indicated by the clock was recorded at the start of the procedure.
1:54:25
